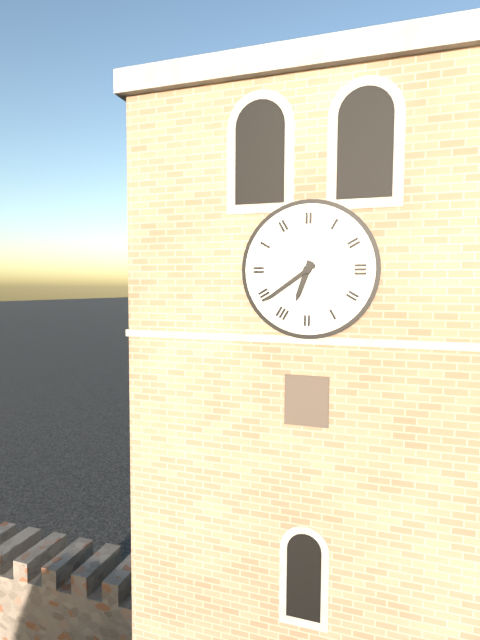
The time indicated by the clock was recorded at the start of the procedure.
6:39
